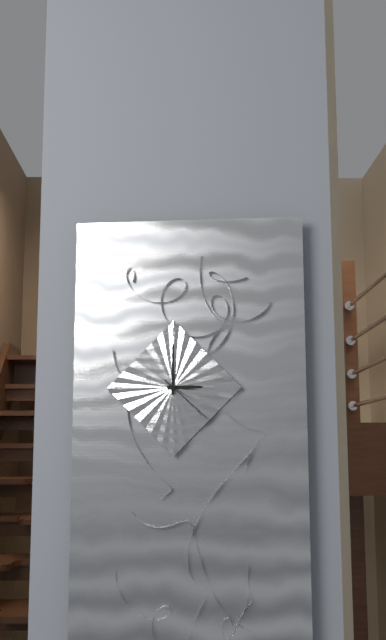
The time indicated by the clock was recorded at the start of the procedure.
3:00:22
